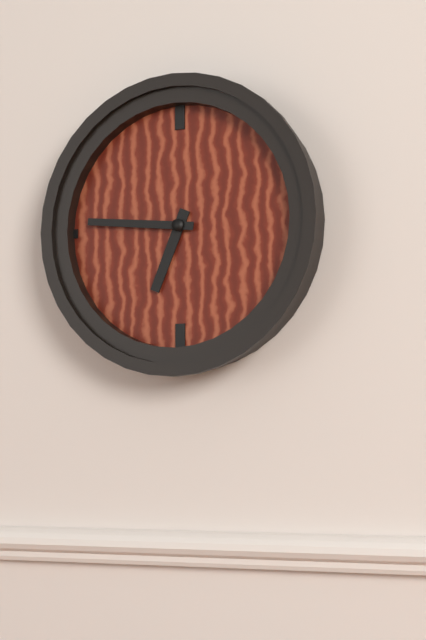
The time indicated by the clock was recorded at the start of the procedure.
6:46
